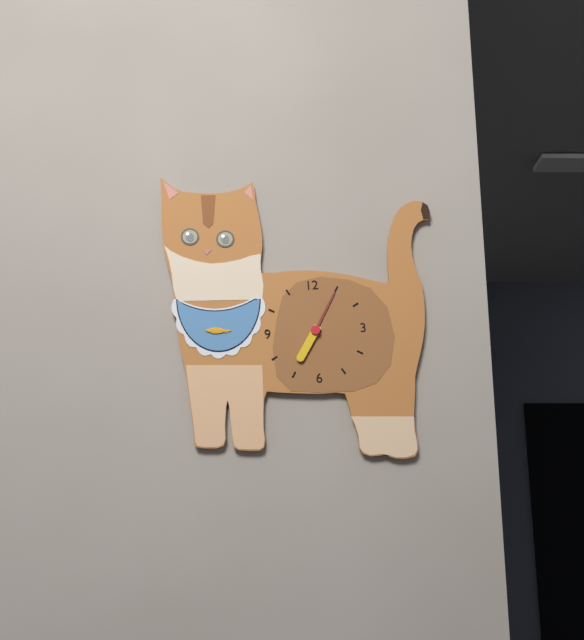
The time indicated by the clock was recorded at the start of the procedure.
7:05
